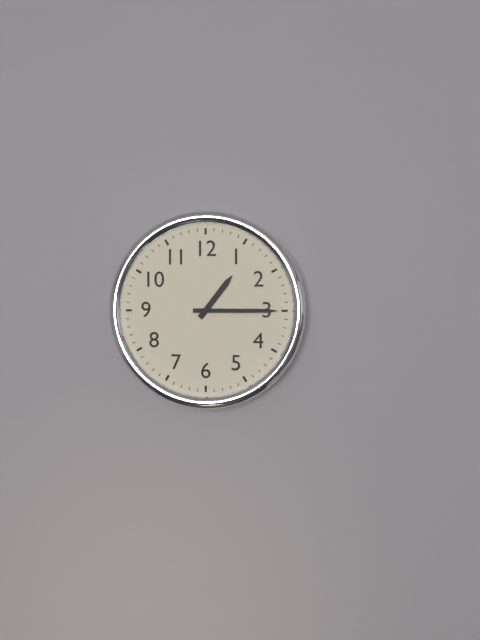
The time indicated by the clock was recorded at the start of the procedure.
1:15
